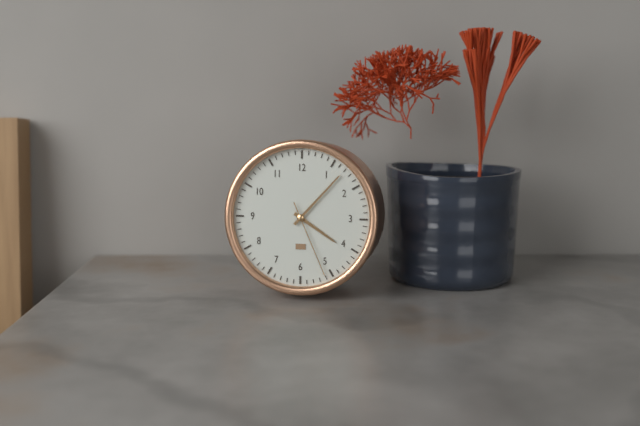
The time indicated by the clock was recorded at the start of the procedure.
4:07:26
